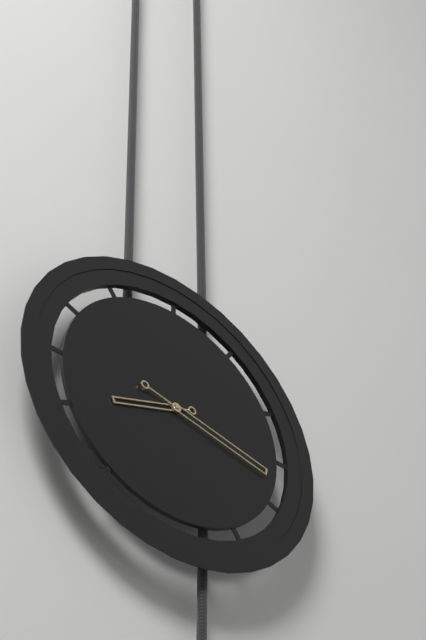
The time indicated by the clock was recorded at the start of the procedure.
8:17
